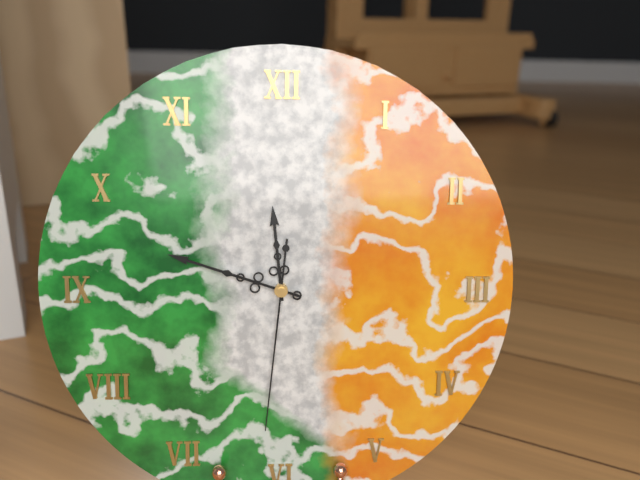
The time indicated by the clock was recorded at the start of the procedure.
11:48:31
